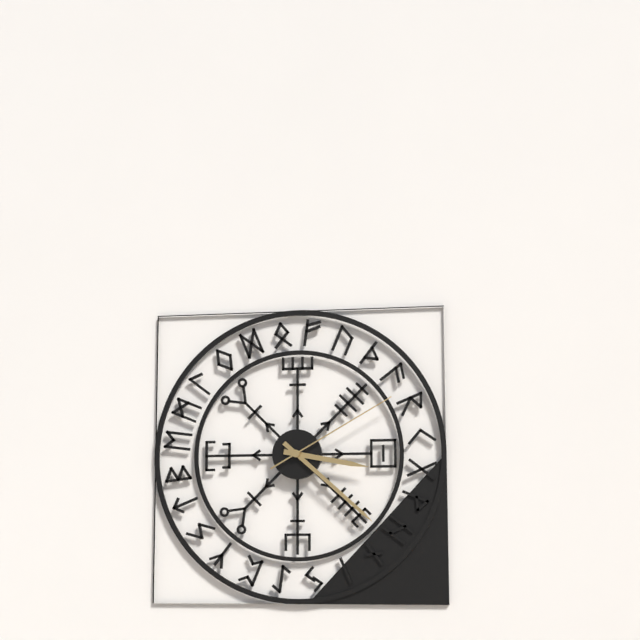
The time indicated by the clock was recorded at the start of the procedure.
3:22:10
